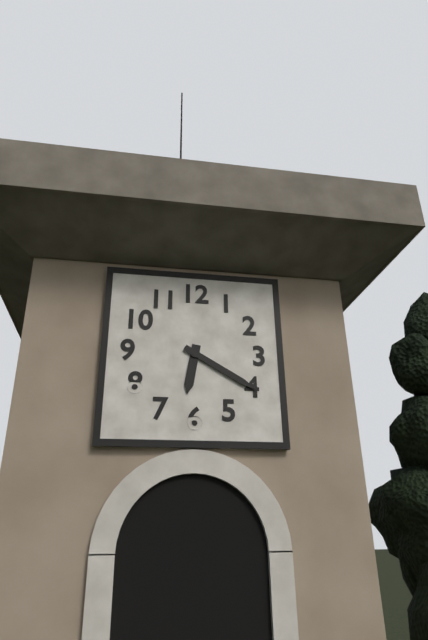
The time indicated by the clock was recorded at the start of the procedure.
6:20
